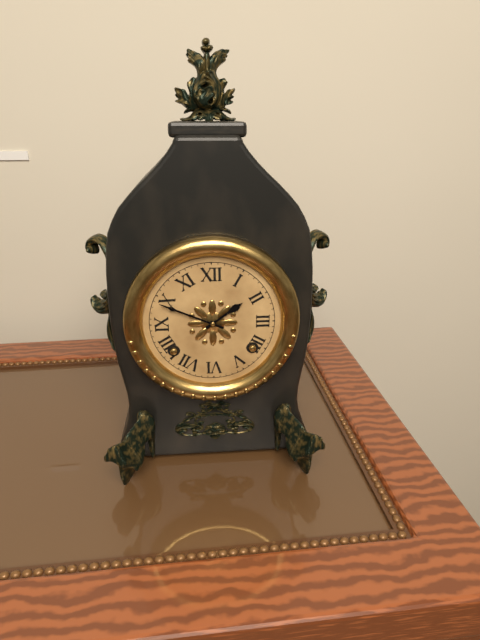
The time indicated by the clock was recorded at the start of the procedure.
1:49
